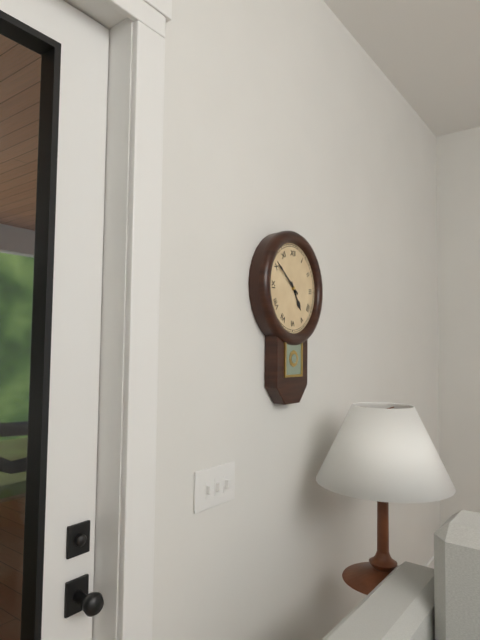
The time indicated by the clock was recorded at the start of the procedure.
4:51
